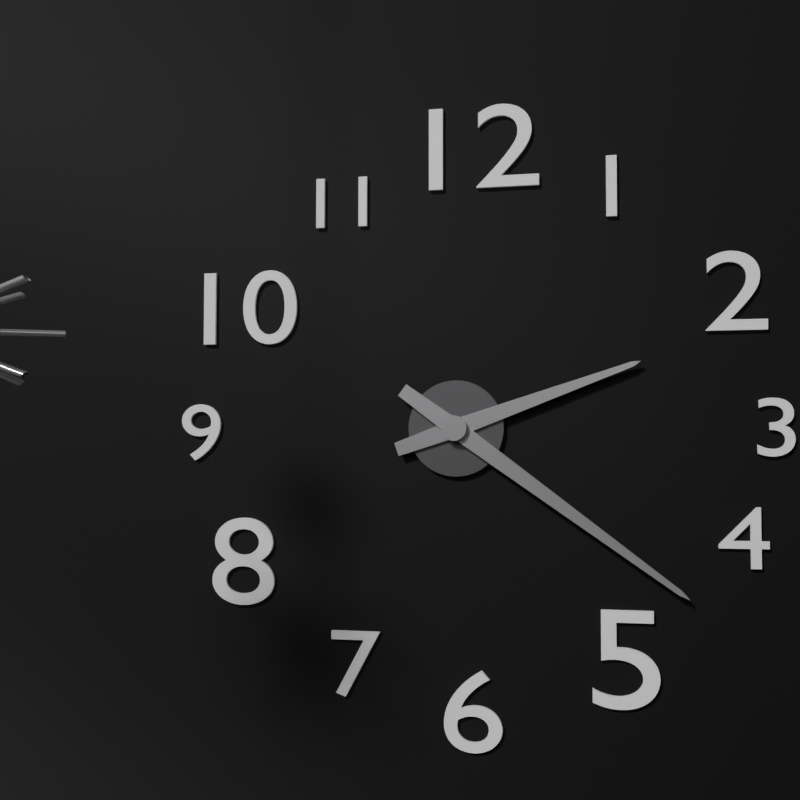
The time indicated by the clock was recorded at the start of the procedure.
2:21
